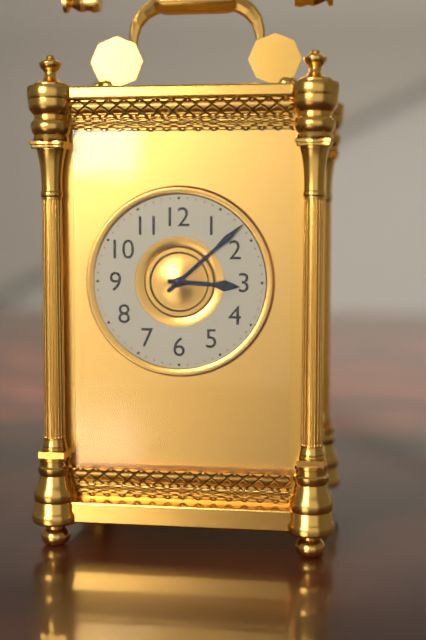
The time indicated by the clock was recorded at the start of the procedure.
3:08
